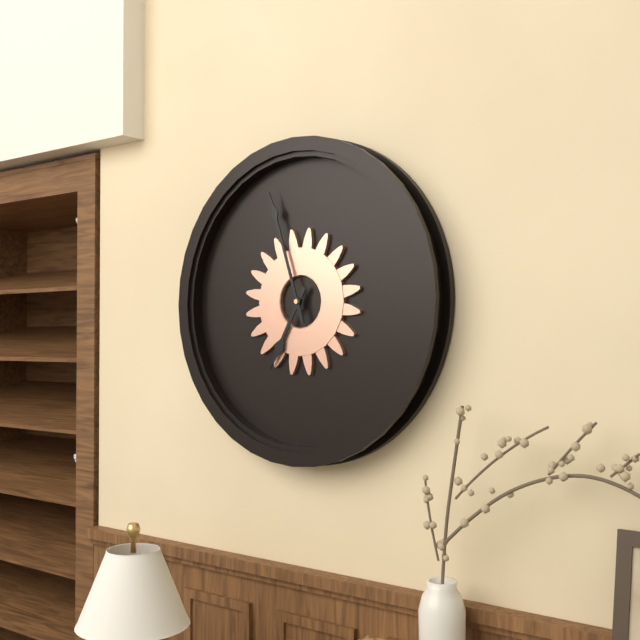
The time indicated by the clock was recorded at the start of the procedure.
6:57
